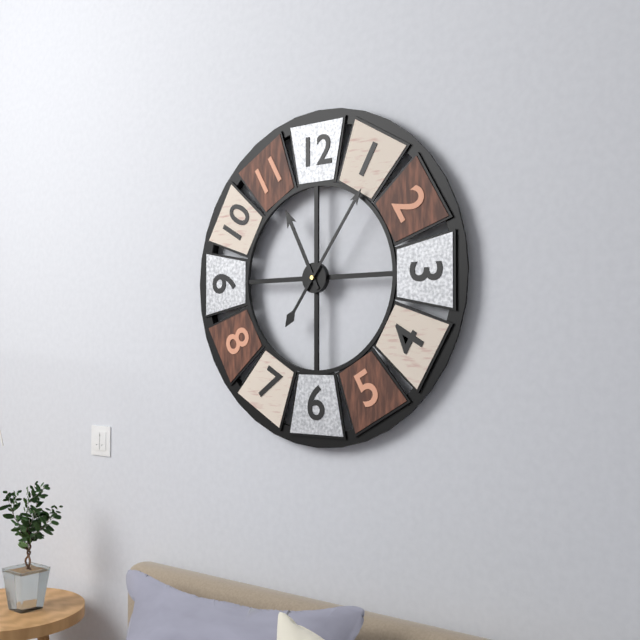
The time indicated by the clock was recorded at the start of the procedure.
11:06
